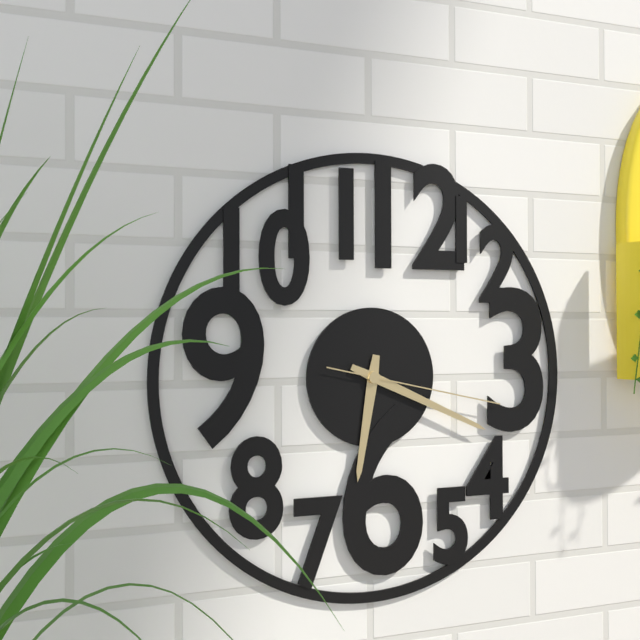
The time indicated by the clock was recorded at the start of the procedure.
6:19:17
